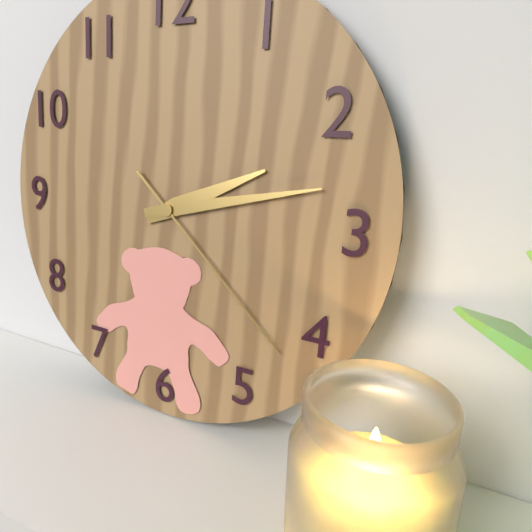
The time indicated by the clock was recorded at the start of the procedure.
2:13:22
